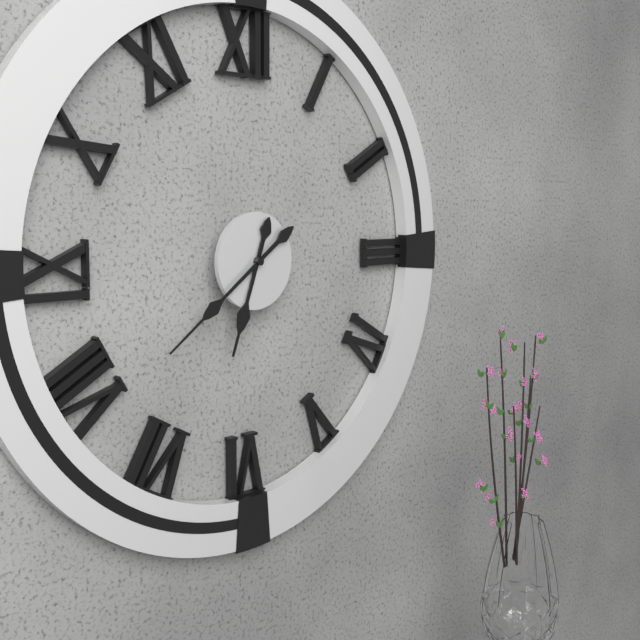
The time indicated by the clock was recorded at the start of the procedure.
6:39
